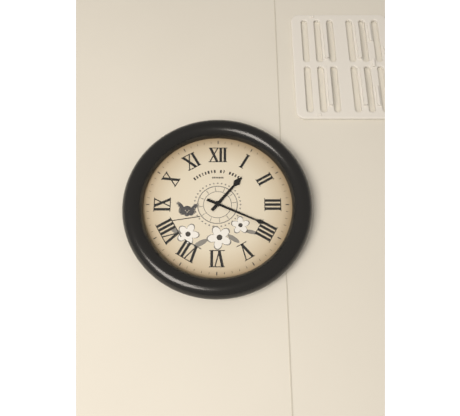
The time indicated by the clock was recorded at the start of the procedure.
1:19
